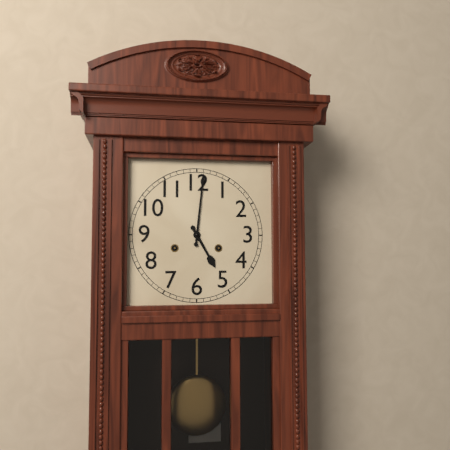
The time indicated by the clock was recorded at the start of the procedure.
5:01
